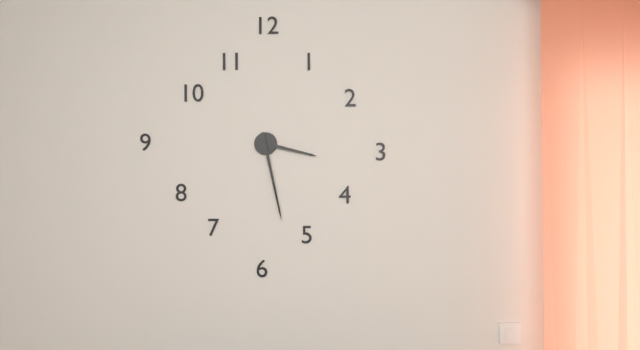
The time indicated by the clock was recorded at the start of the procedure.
3:28
